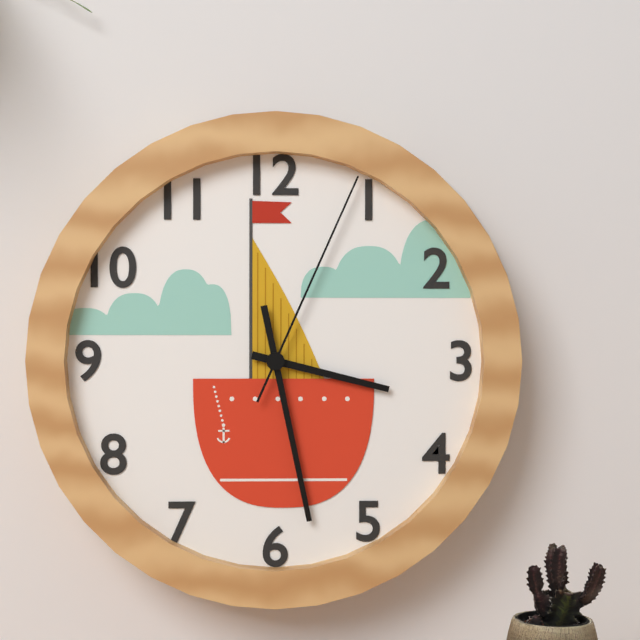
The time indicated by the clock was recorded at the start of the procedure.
3:28:04
